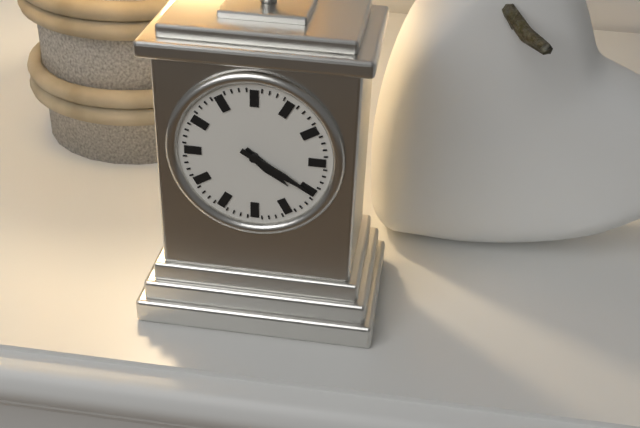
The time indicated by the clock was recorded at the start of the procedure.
4:20
